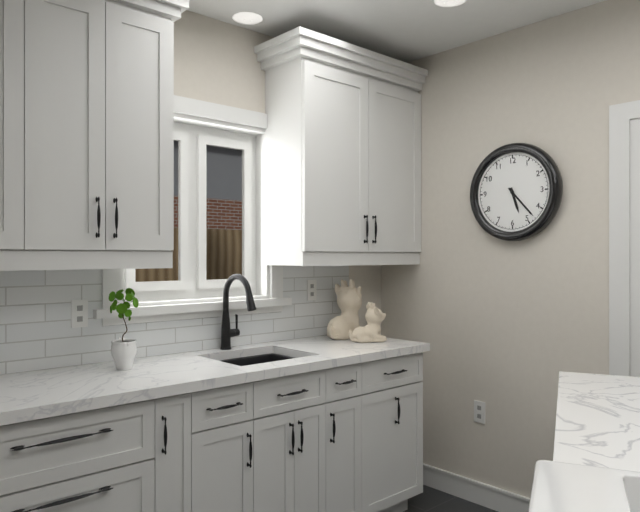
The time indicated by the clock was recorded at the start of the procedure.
5:23
